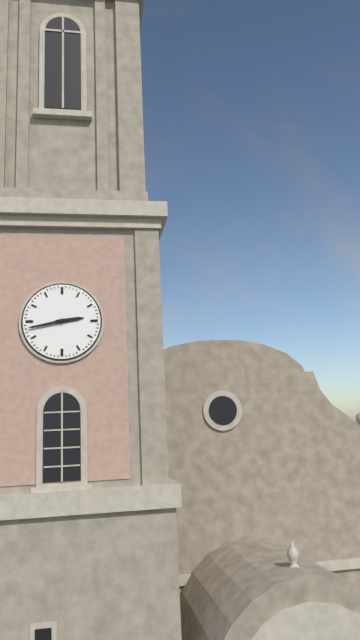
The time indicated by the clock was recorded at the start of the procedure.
2:43
